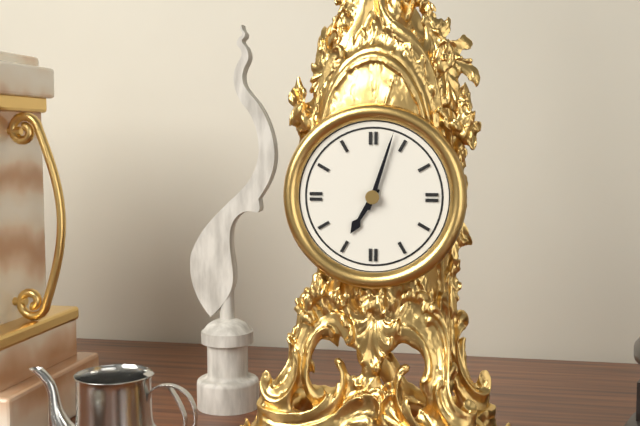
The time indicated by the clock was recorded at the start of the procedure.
7:03
